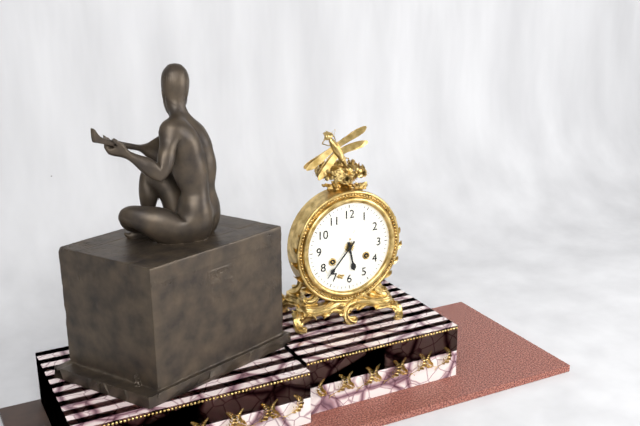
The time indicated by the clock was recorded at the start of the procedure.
5:37
